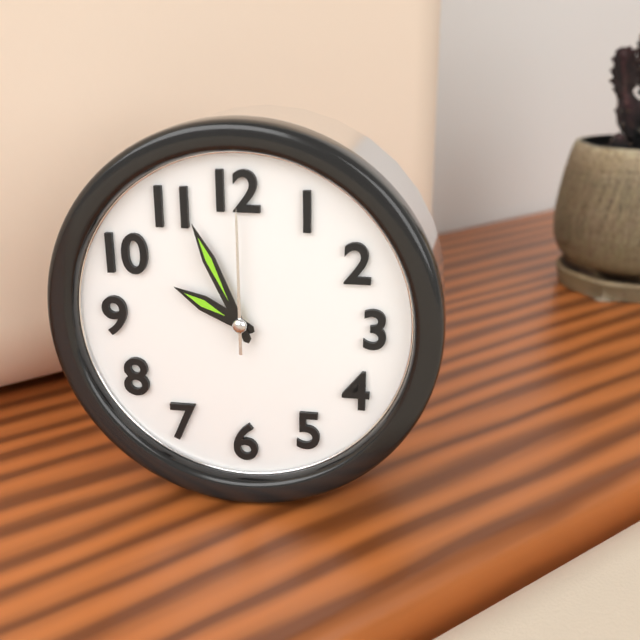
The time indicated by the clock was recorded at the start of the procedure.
9:56:00
